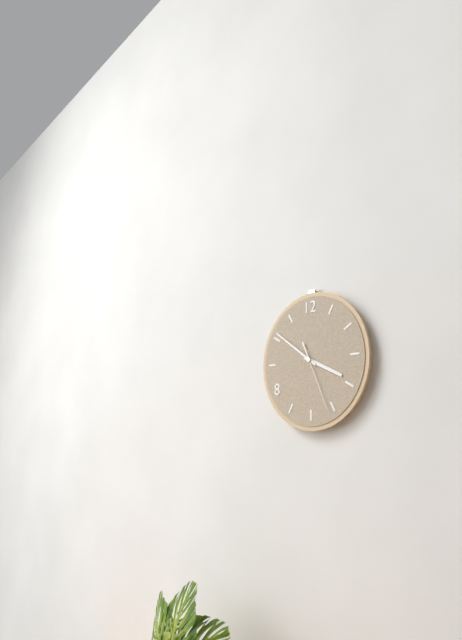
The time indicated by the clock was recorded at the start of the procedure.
3:51:26
